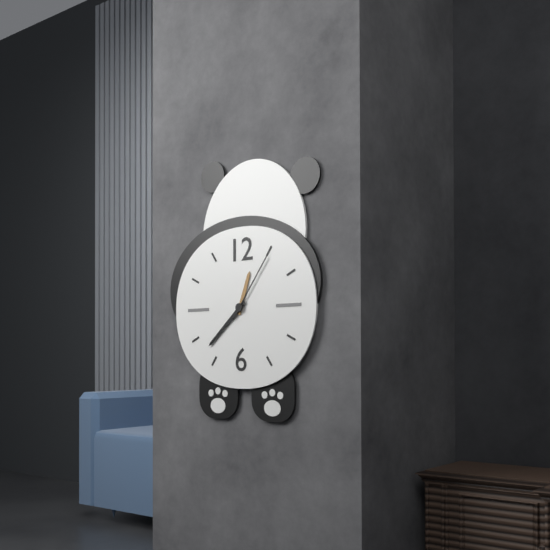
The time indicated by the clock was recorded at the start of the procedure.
12:38:06
